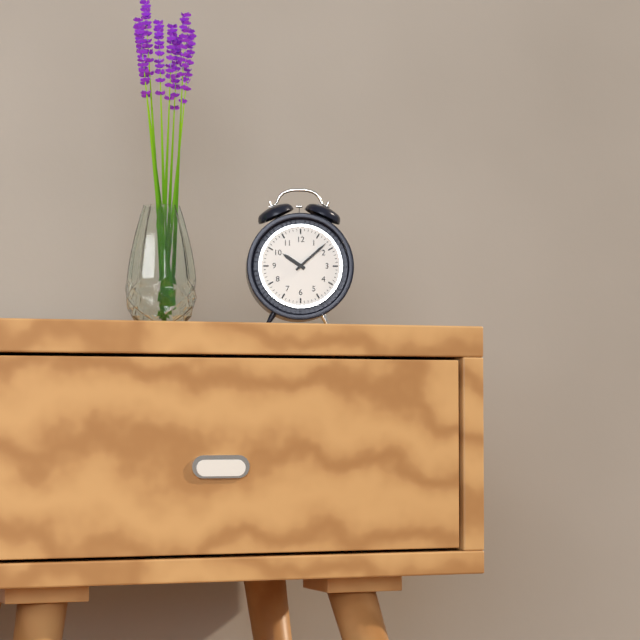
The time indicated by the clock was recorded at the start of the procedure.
10:08
